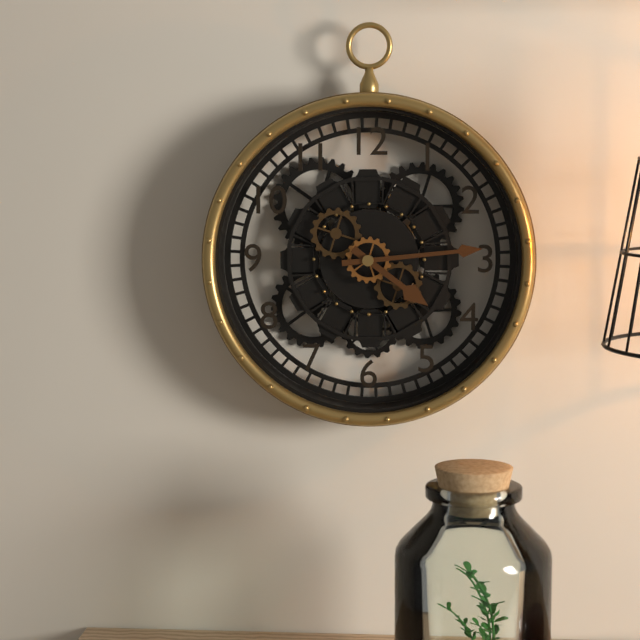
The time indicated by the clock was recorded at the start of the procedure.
4:14
